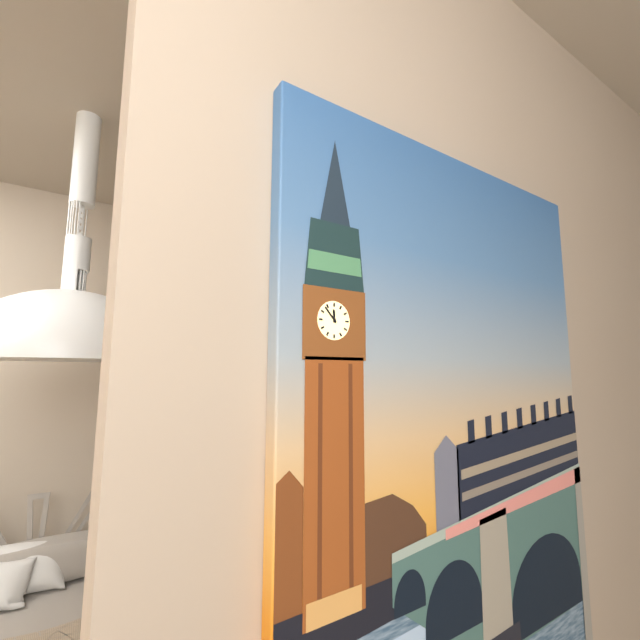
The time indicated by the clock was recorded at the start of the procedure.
11:53
